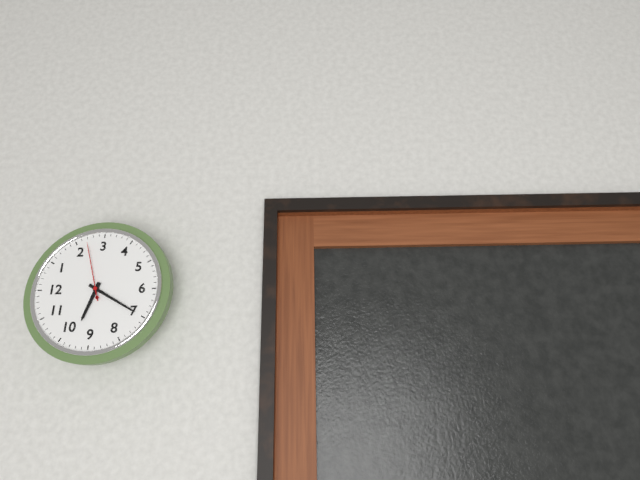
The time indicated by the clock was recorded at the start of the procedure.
9:35:12
